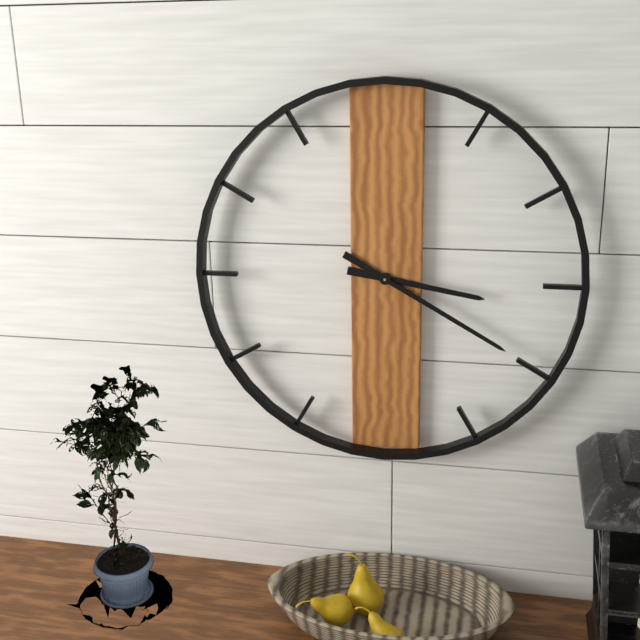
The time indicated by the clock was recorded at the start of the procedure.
3:20
